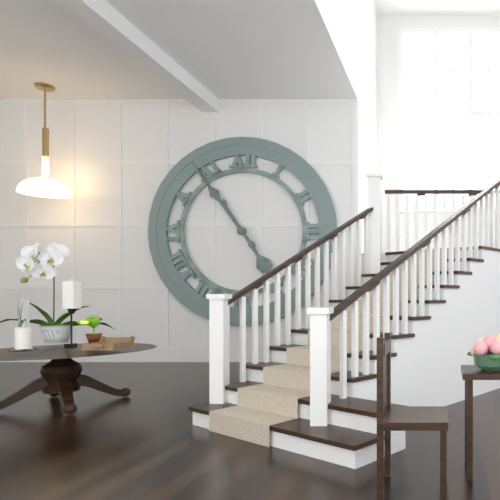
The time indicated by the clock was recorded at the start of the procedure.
4:54
